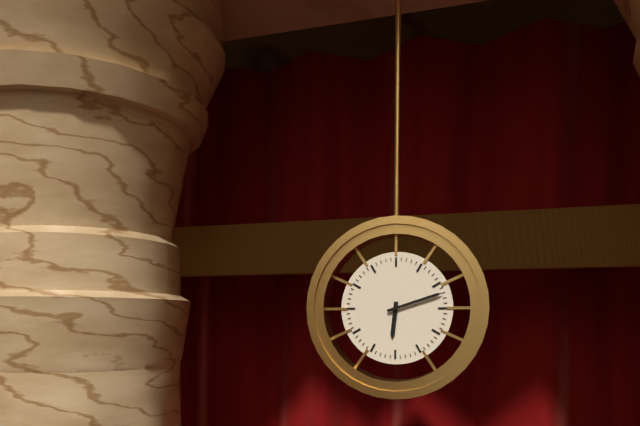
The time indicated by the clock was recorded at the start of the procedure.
6:12
